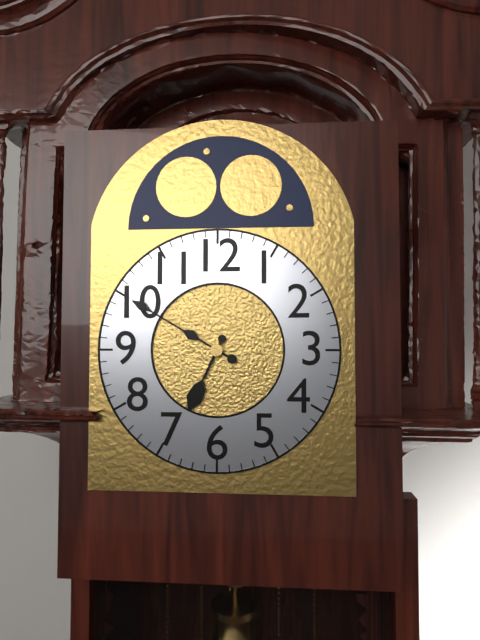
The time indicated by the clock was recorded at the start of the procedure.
6:50
